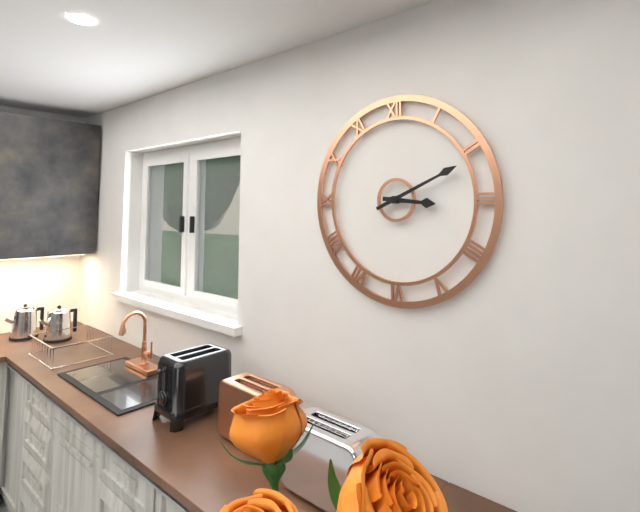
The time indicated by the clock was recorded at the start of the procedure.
3:11
